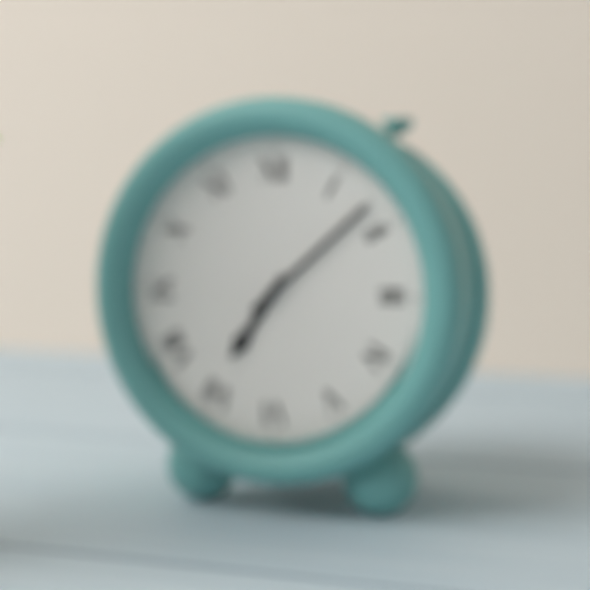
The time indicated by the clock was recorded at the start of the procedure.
7:08
